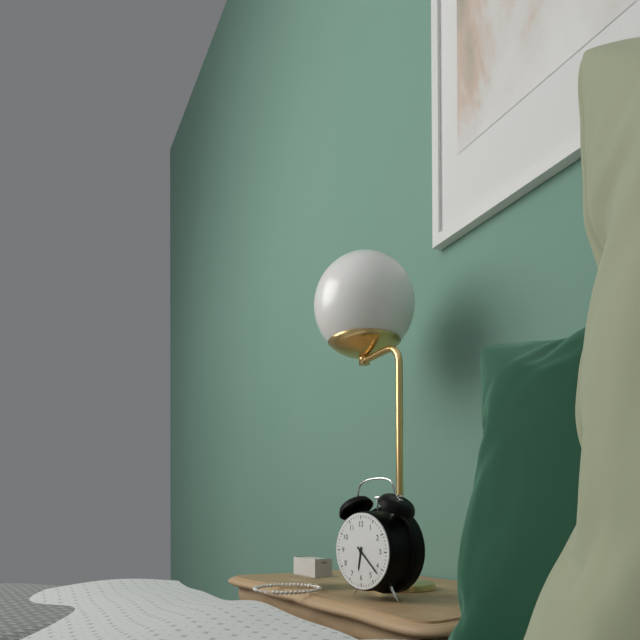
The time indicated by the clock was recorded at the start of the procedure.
6:22
